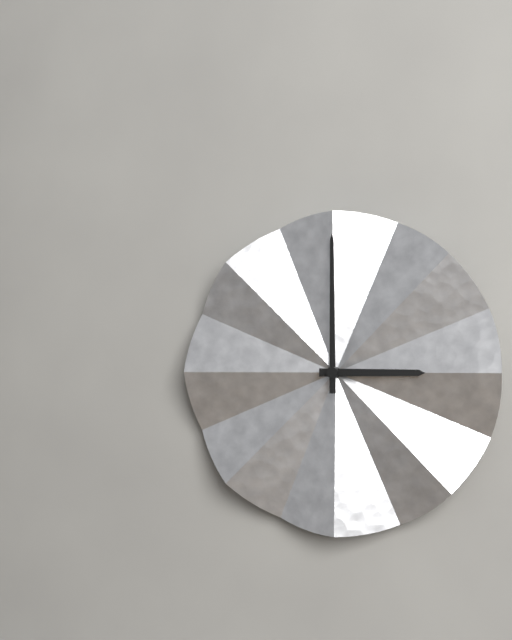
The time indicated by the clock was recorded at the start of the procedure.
3:00
